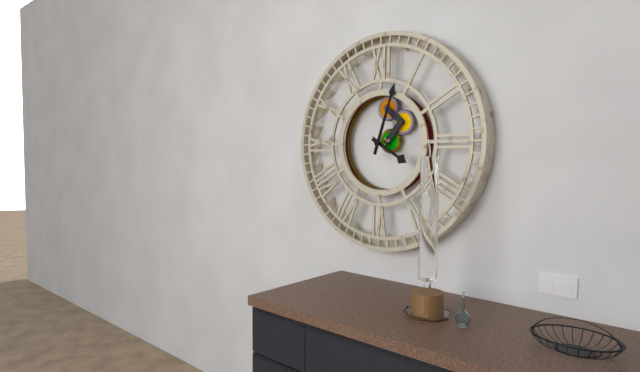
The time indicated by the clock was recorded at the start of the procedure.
4:03
